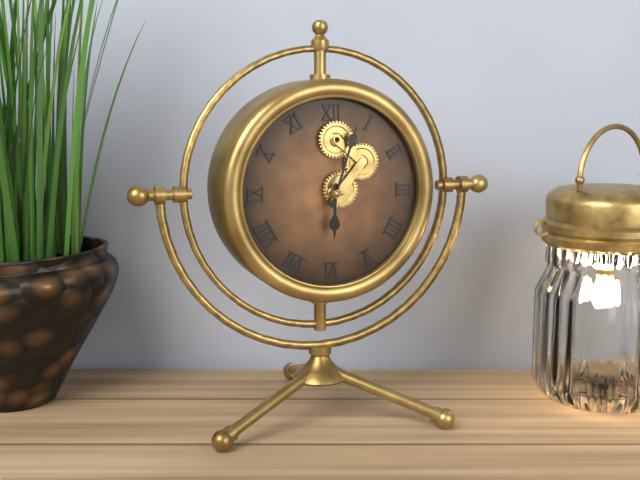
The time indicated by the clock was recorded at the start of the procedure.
6:03
